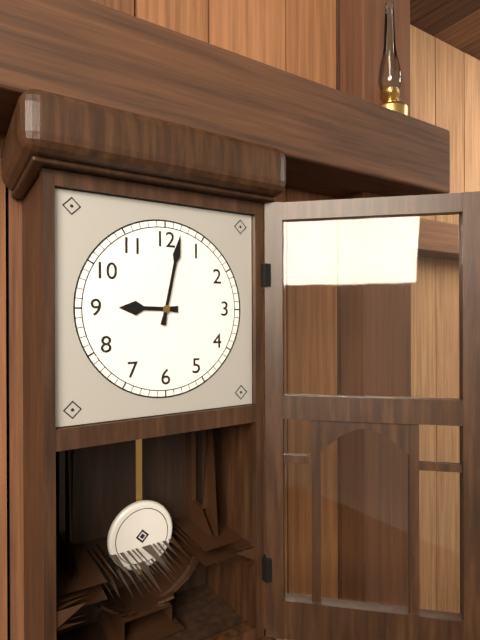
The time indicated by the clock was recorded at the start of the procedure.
9:02
